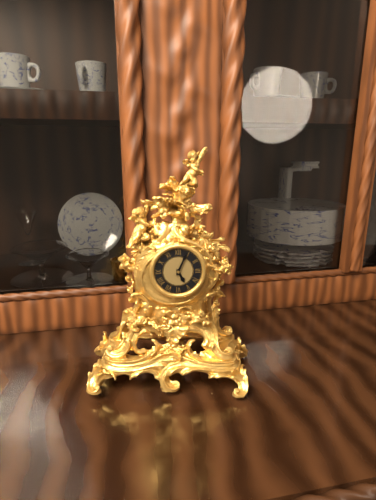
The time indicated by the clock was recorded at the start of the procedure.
5:04
